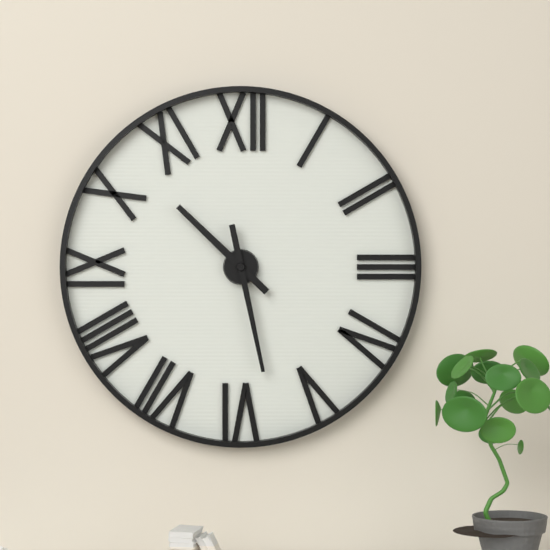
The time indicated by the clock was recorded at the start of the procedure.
10:28
